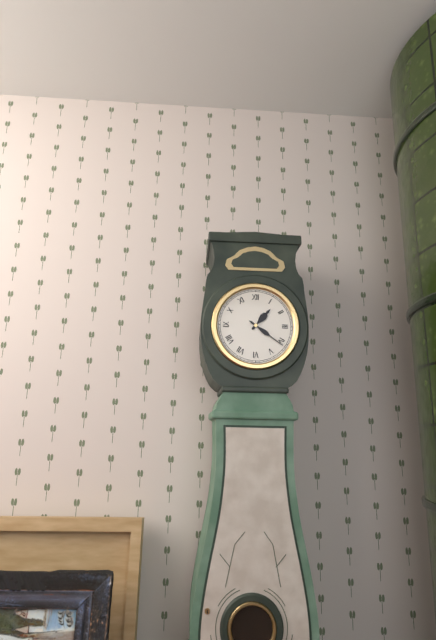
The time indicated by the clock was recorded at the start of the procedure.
1:21
